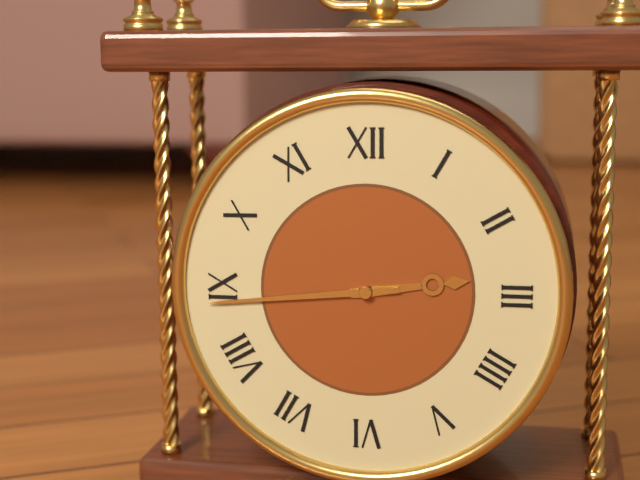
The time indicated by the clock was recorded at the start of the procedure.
2:44
